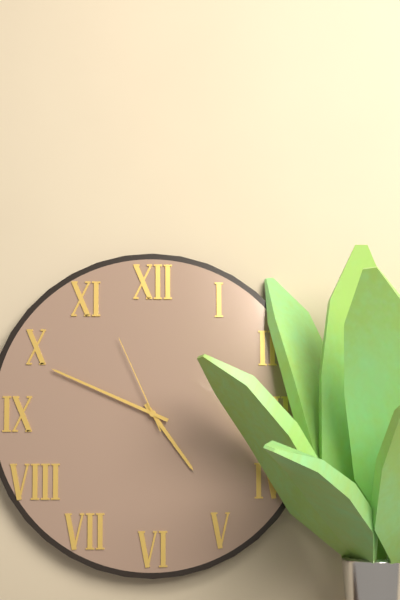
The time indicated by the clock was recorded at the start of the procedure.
4:49:56
